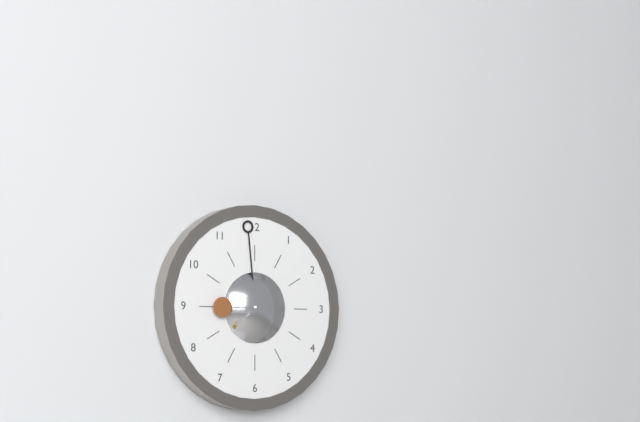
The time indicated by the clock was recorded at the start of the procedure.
8:59
